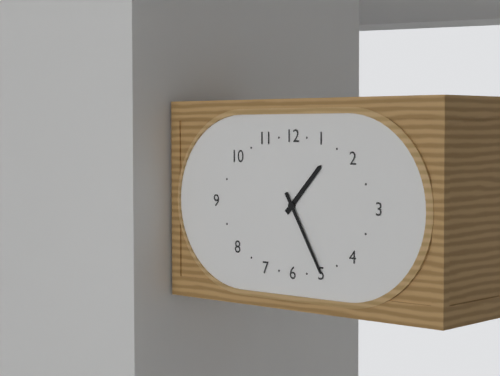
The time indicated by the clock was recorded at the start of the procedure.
1:25
